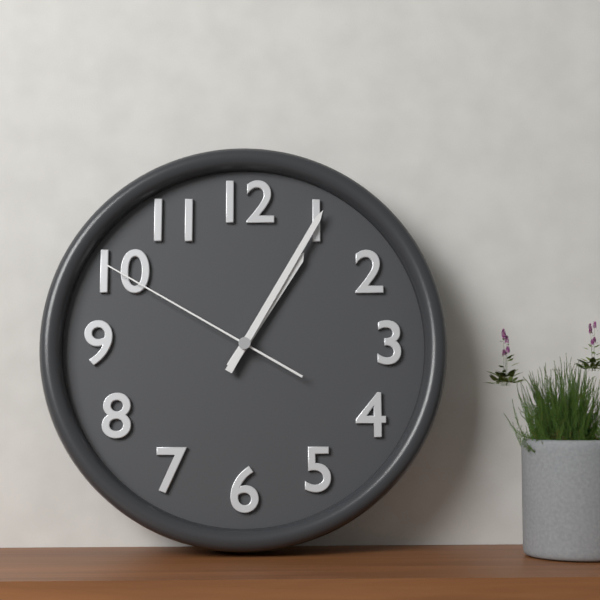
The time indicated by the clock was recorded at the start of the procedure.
1:05:50
